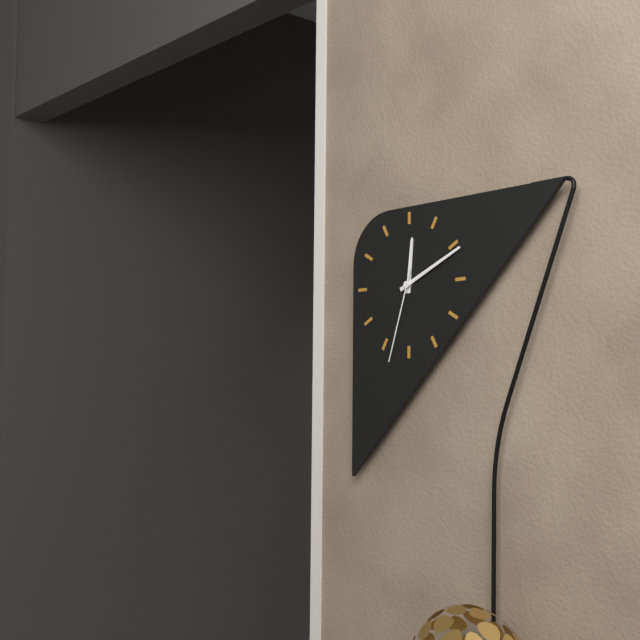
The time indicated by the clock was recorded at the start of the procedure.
12:11:33
